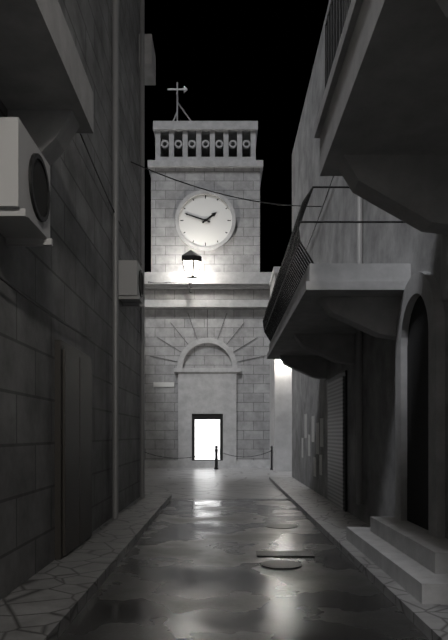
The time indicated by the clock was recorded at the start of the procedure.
1:48
